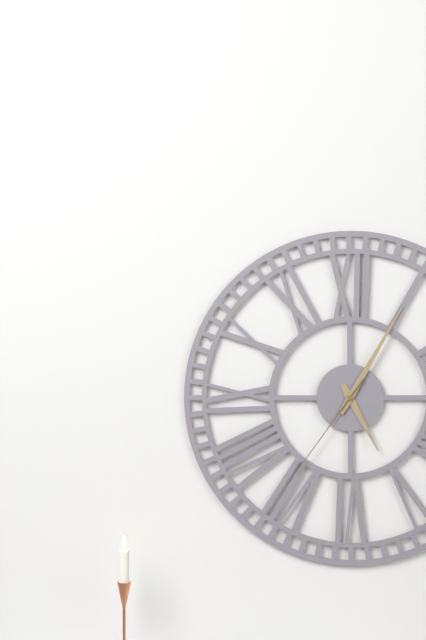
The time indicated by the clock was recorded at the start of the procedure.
5:05:36
